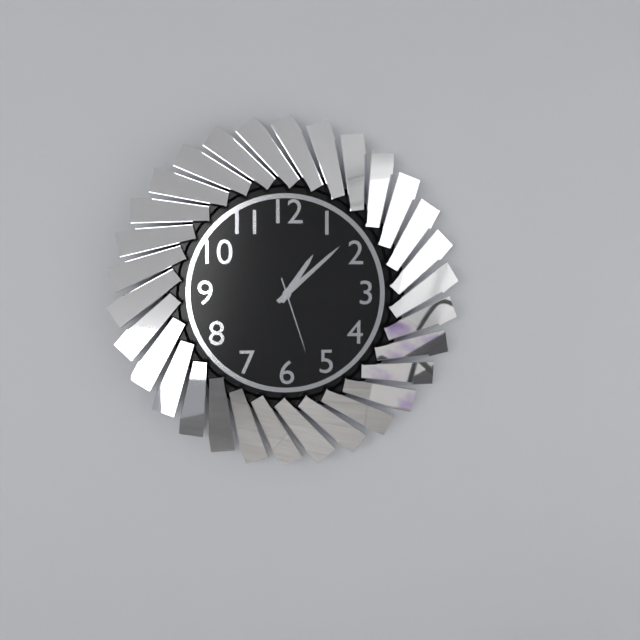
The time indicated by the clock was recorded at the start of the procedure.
1:08:27
